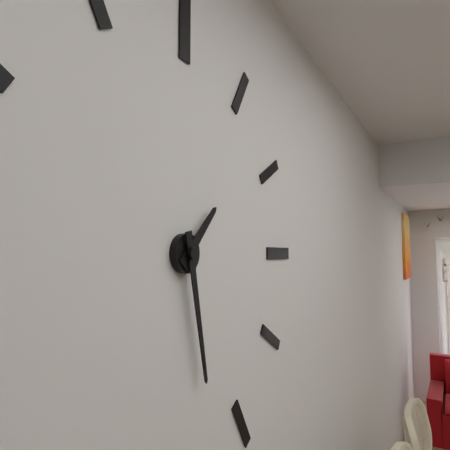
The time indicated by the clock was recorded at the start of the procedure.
1:28
